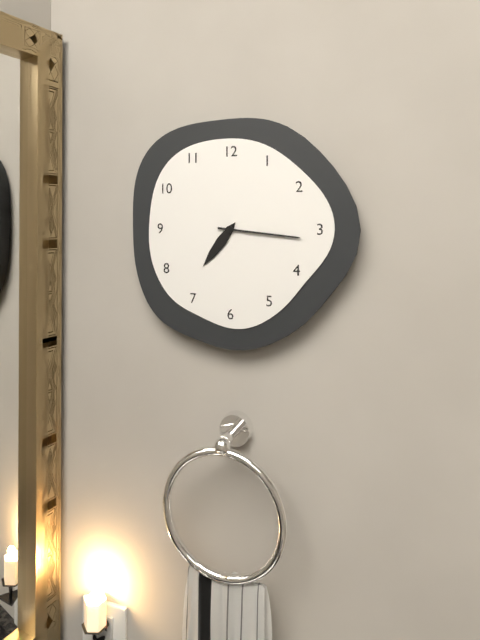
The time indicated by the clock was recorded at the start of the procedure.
7:16
